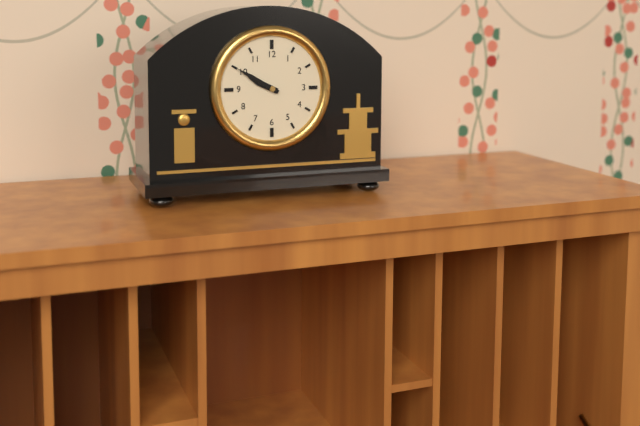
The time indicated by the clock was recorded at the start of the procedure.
9:50
